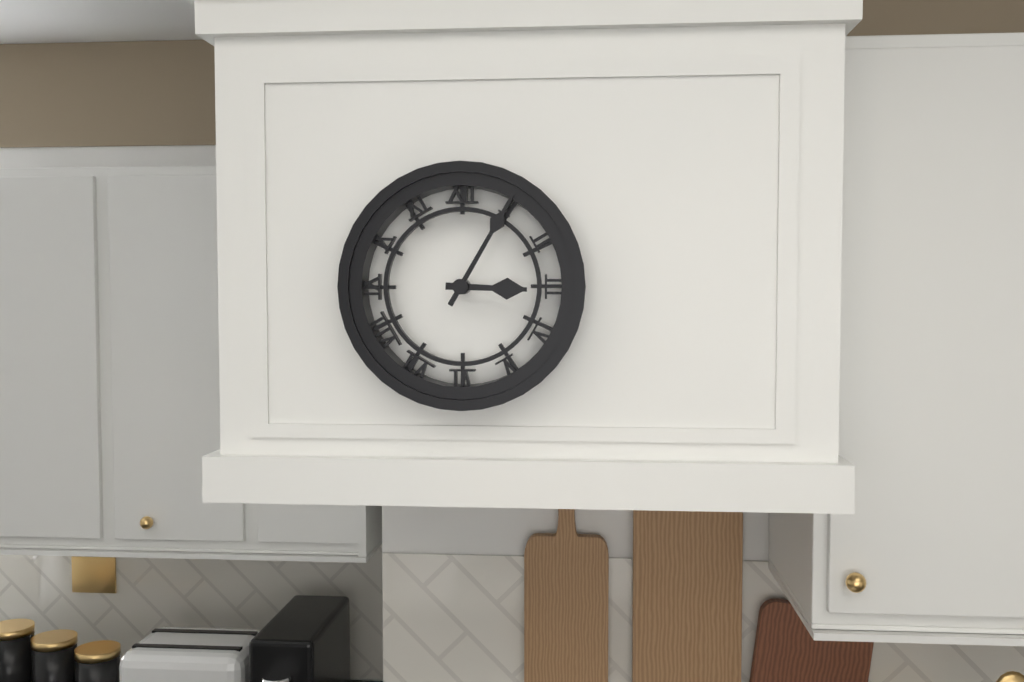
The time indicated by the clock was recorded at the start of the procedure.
3:05
